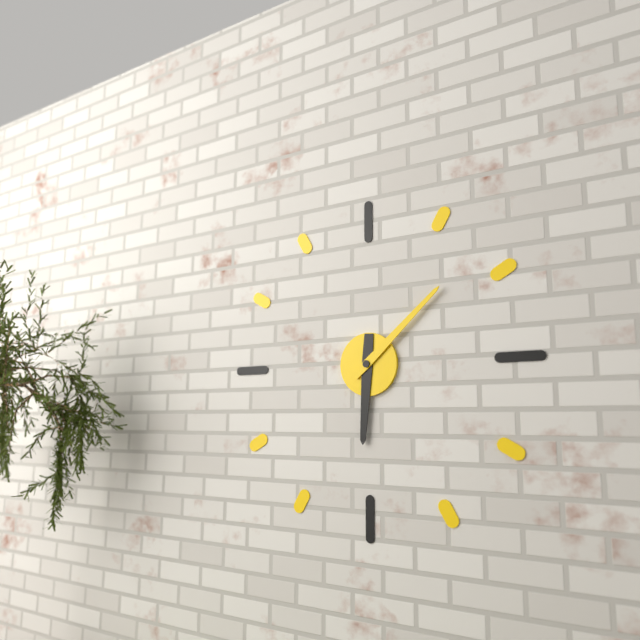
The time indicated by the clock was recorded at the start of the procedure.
6:08
